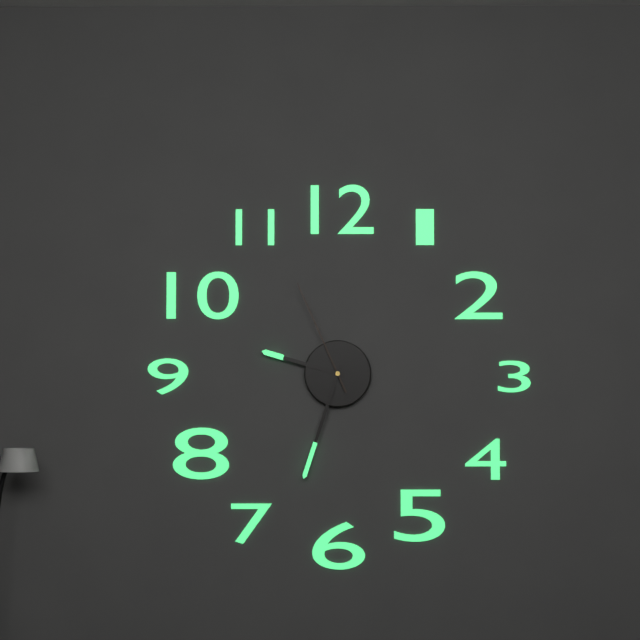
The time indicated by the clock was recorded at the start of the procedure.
9:33:56
